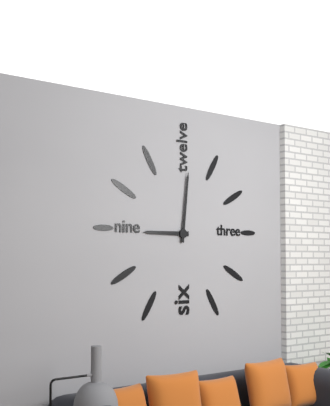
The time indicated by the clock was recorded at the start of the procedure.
9:01
